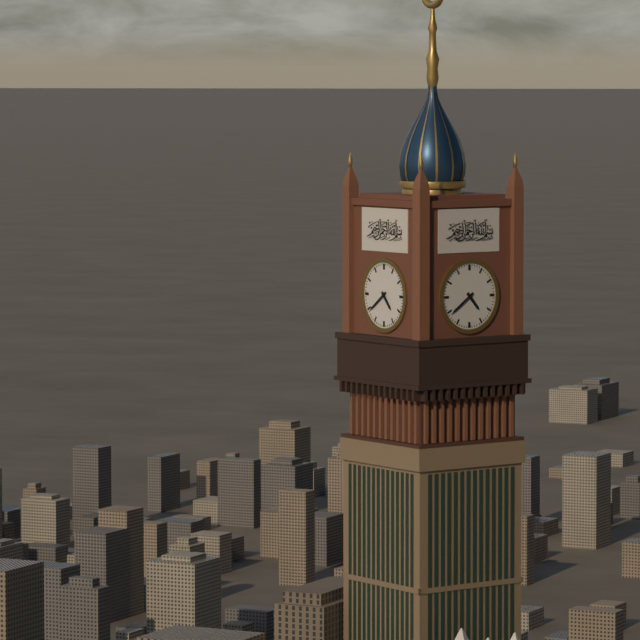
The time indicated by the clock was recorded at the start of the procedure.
4:39
